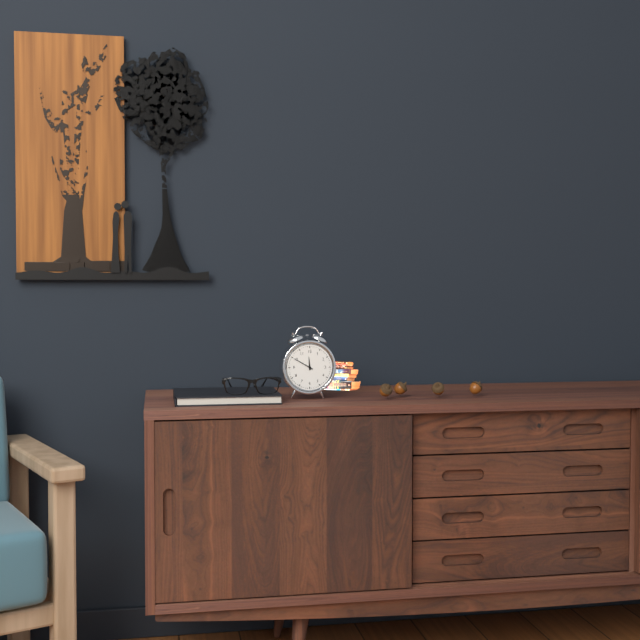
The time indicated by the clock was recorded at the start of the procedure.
11:50
